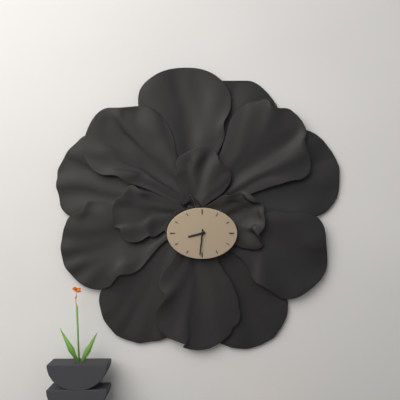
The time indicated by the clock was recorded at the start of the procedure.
8:31
